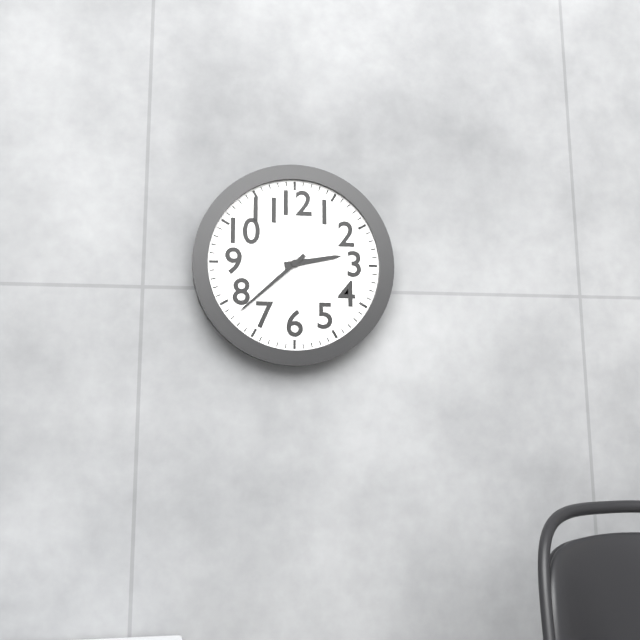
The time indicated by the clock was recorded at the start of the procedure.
2:38
